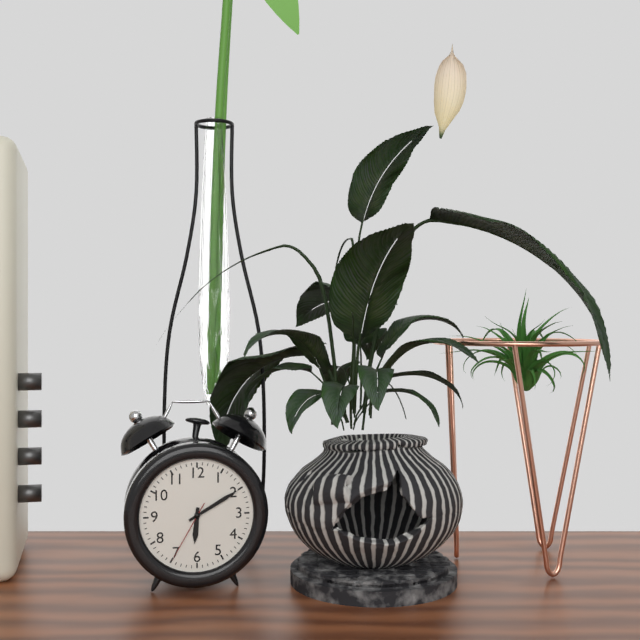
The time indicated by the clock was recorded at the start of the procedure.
6:10:35
